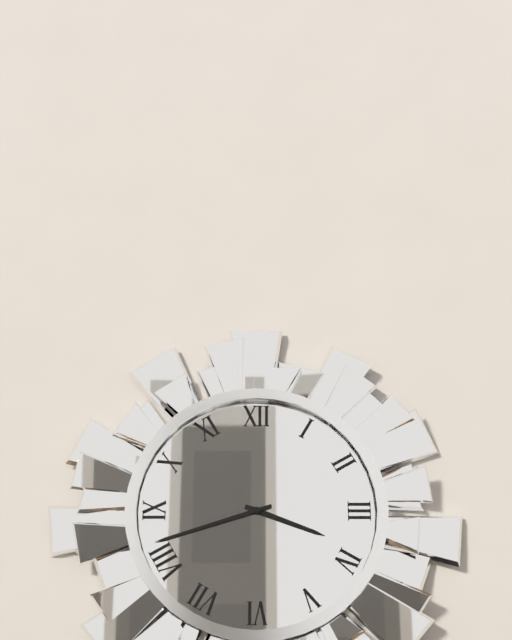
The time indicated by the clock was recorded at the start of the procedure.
3:42
